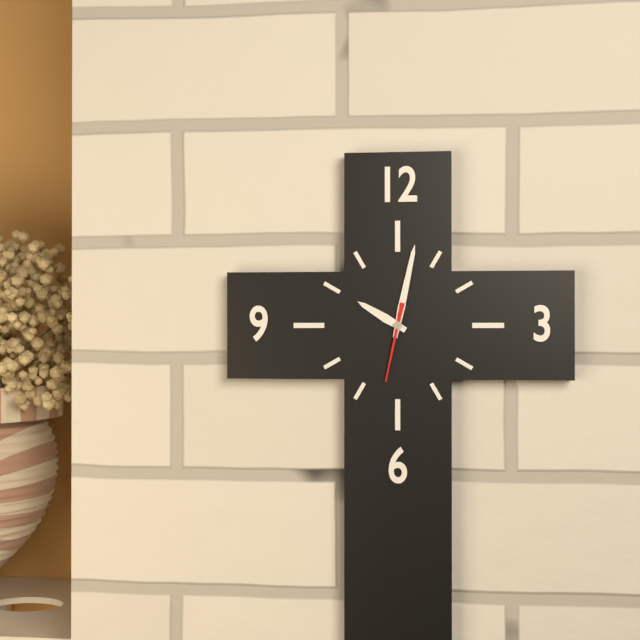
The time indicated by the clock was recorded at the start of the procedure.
10:02:32
